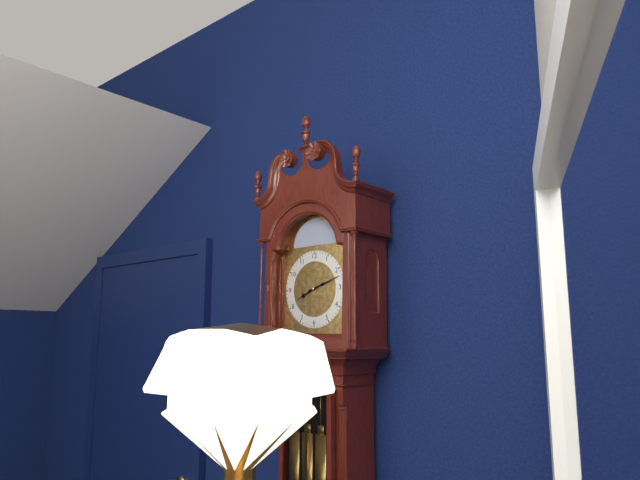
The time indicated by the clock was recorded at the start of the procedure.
8:12
